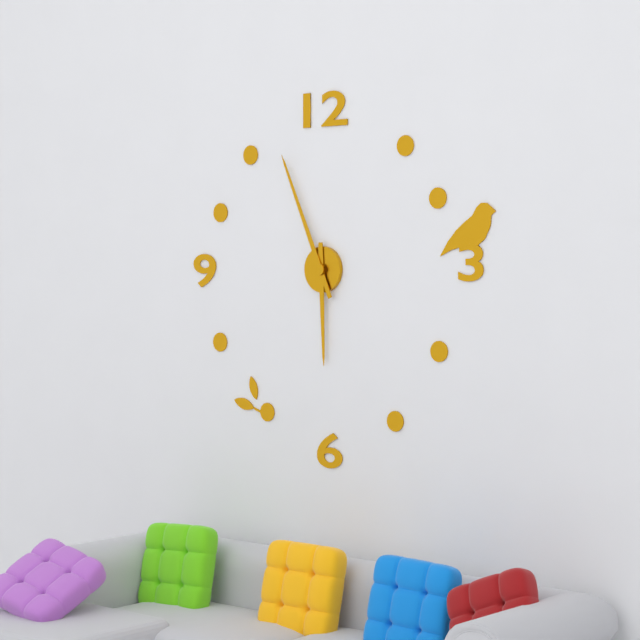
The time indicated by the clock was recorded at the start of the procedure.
5:56
